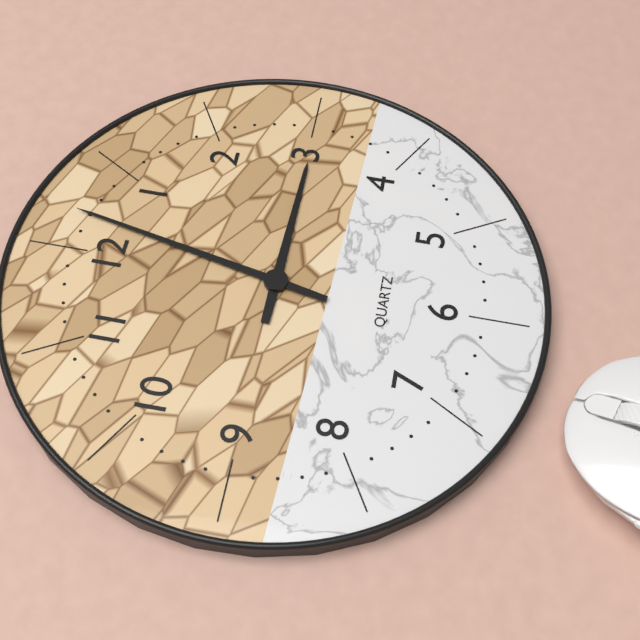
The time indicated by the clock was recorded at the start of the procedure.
3:02
